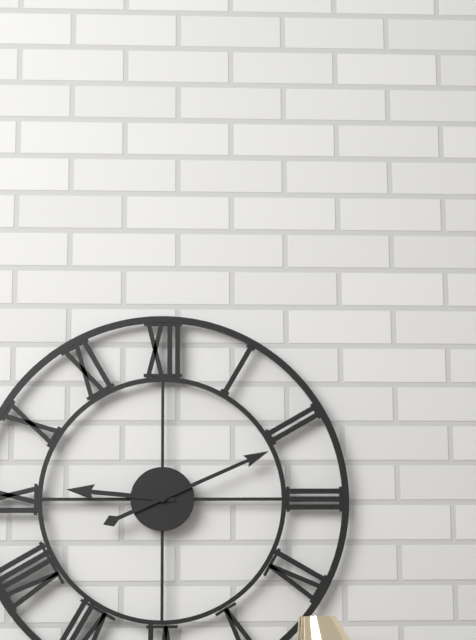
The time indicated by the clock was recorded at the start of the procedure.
9:11
